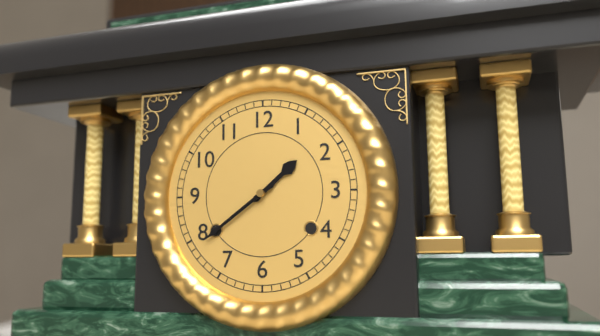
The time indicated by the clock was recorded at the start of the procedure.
1:39
